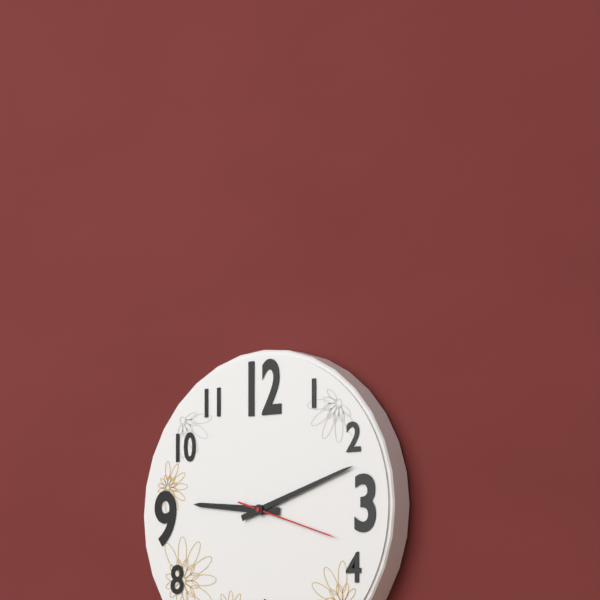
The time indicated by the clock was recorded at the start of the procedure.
9:12:18
